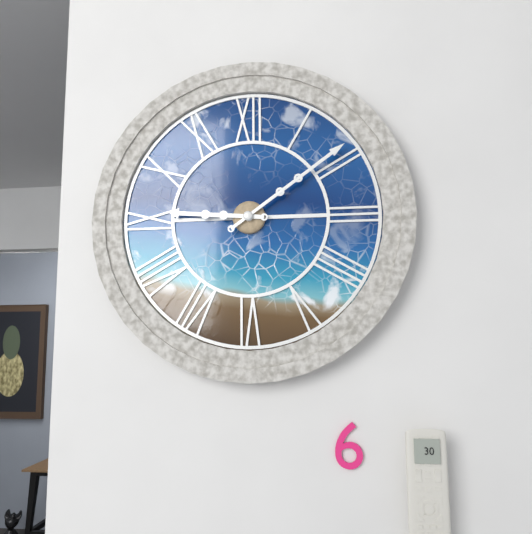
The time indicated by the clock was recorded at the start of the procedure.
9:09
